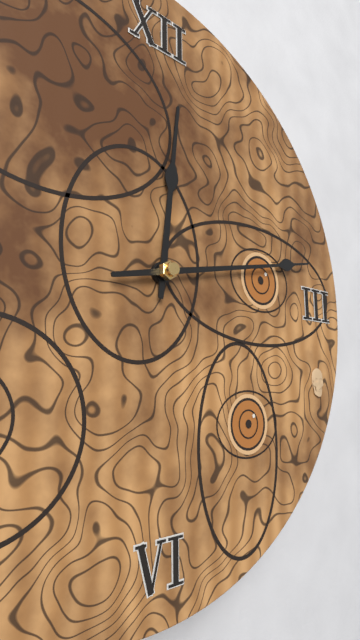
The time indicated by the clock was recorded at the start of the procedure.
12:13
